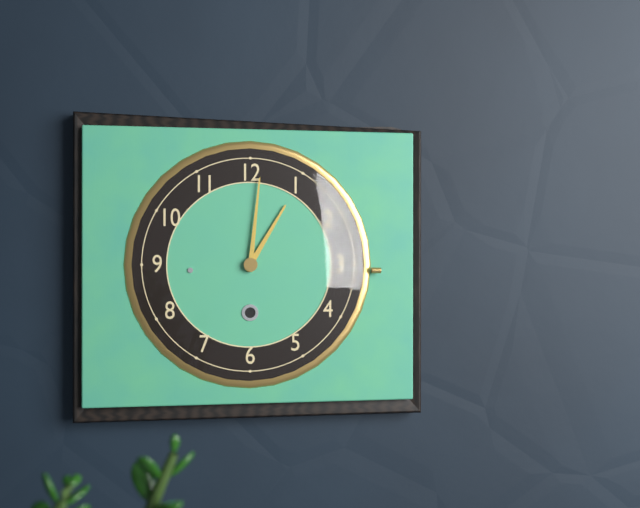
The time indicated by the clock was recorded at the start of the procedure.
1:01
